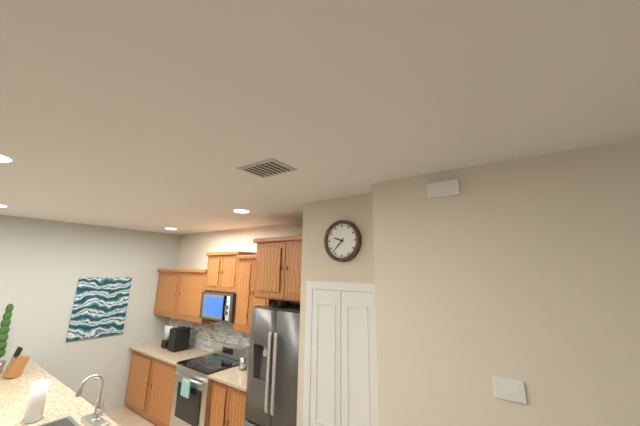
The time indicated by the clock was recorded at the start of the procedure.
9:37
